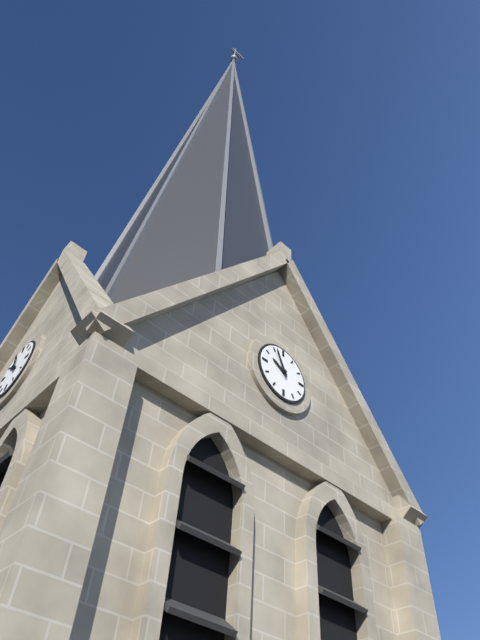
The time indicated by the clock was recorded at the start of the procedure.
9:56
